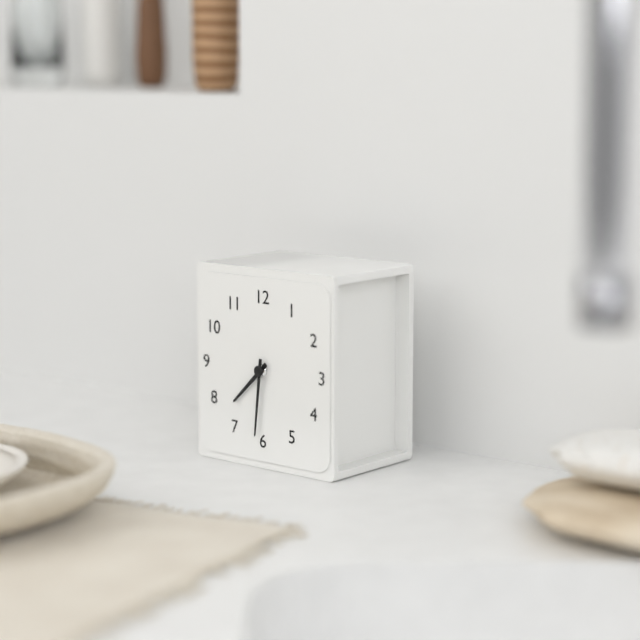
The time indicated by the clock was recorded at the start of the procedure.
7:31
